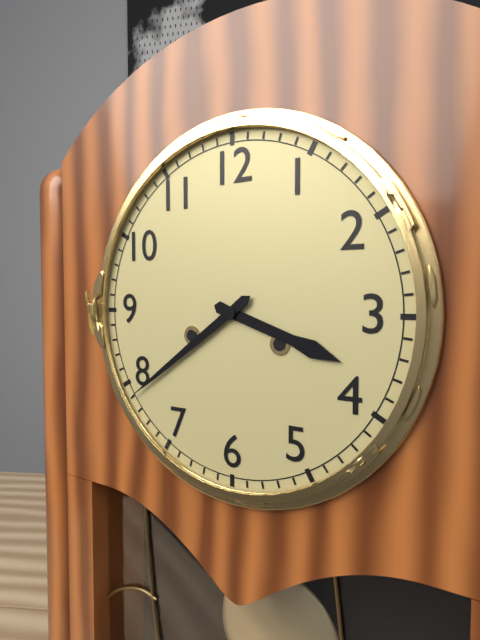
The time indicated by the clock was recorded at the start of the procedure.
3:39
